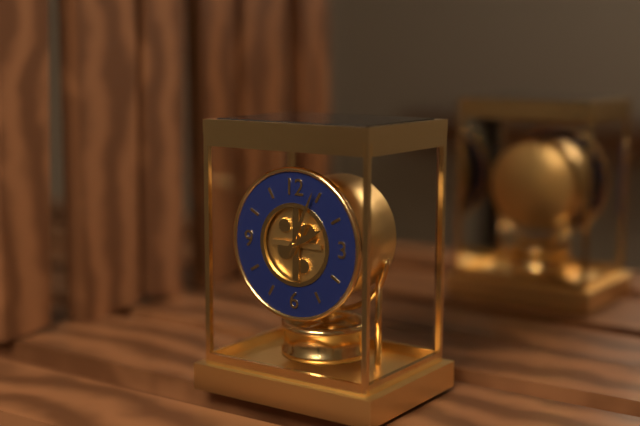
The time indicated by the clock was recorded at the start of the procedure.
2:04
